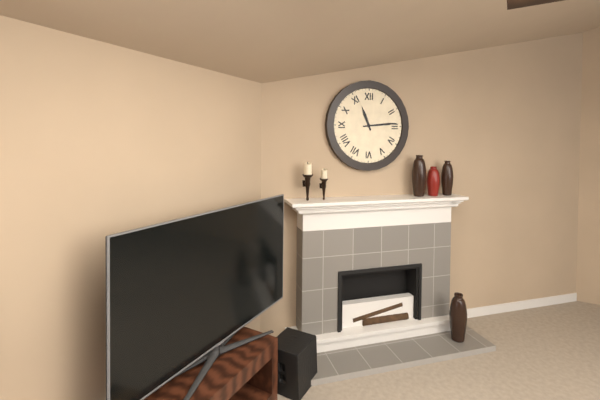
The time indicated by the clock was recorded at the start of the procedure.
11:14
